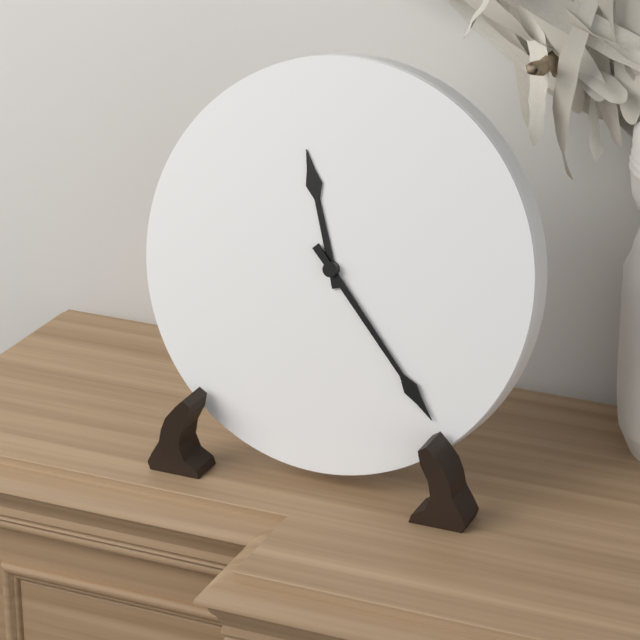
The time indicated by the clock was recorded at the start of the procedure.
11:23
